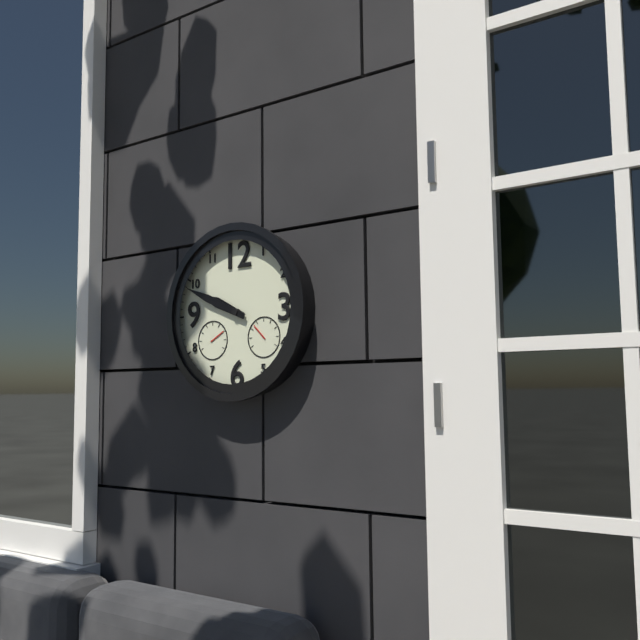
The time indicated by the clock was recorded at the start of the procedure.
9:49
